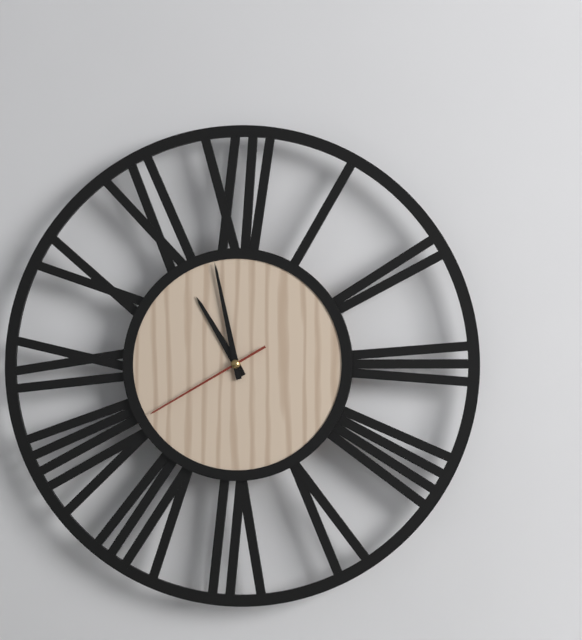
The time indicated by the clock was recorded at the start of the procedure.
10:58:40
